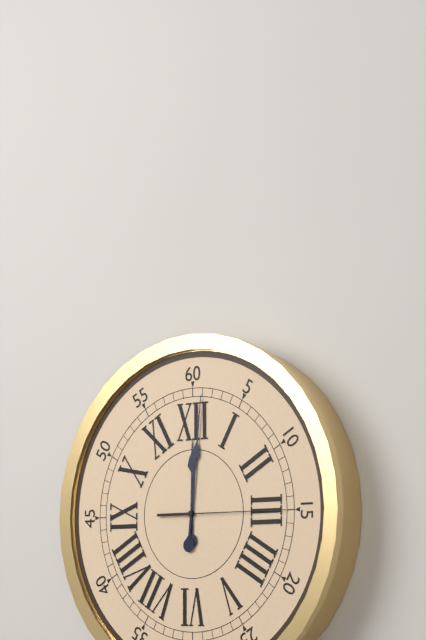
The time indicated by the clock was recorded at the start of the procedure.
12:01:15
